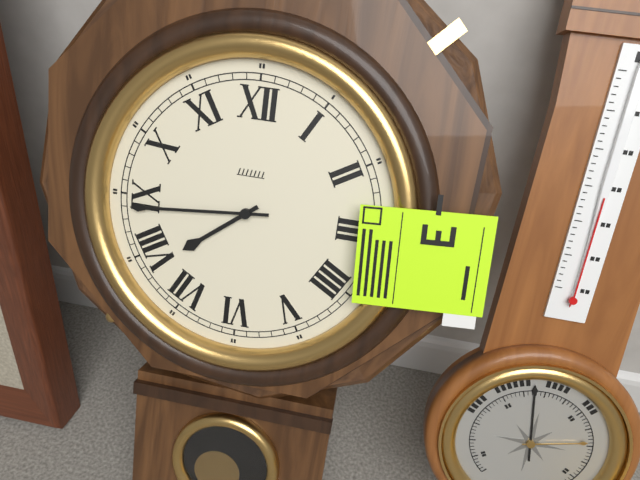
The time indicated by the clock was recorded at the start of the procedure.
7:44
